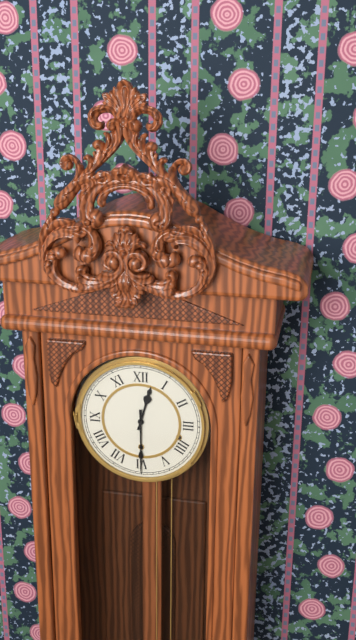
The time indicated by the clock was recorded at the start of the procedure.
12:30
